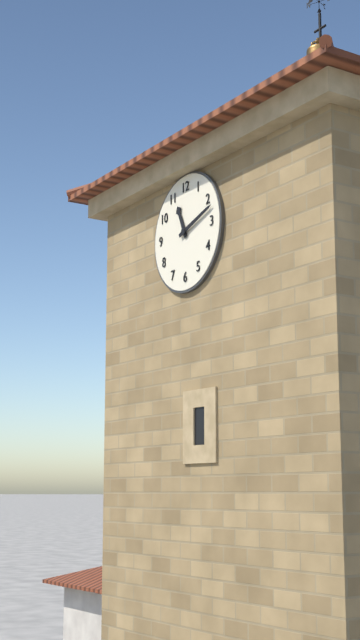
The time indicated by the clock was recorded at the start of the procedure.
11:12
